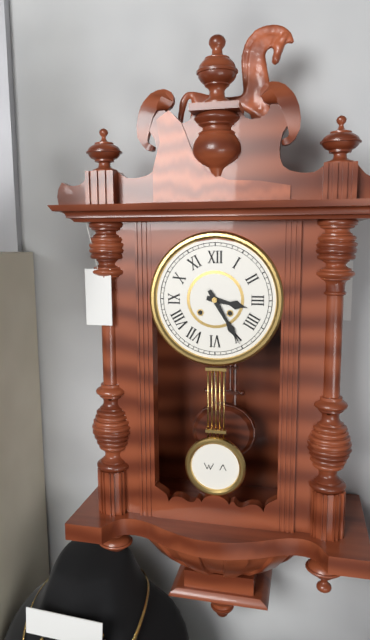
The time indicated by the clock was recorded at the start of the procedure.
3:25
